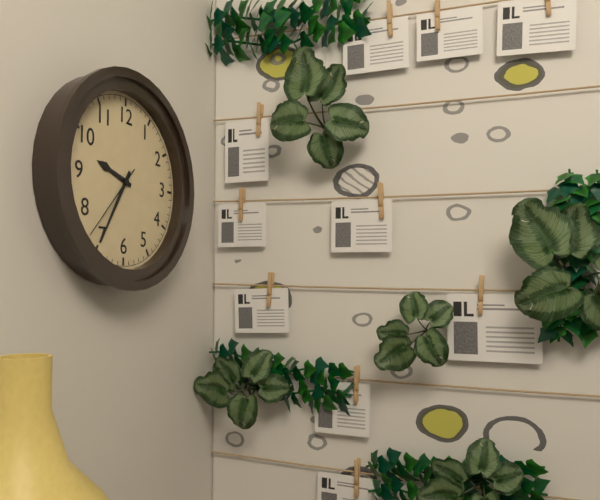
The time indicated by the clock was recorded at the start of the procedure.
9:35:37
